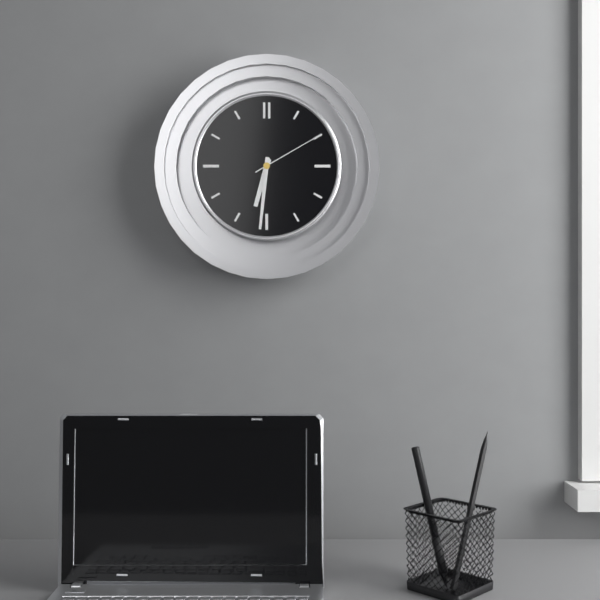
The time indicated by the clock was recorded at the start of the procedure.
6:31:10
